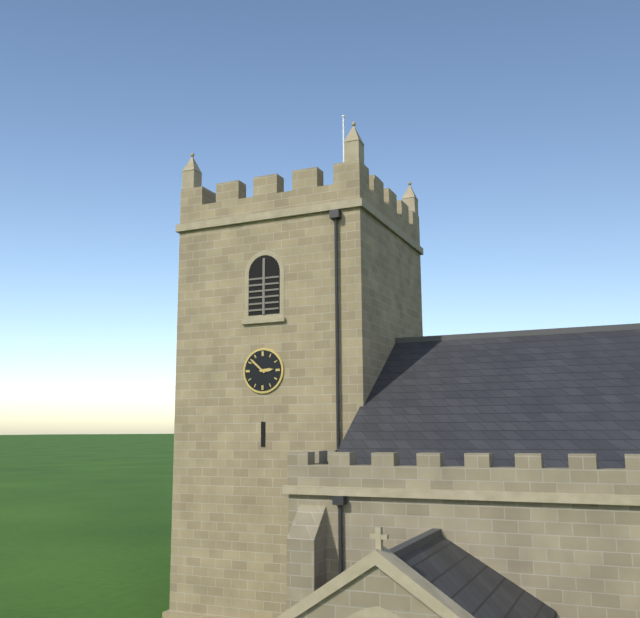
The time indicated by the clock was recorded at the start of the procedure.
2:52
